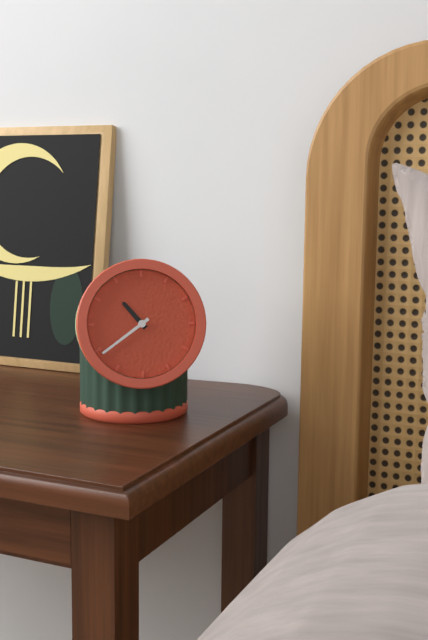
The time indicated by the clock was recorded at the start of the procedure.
10:39
